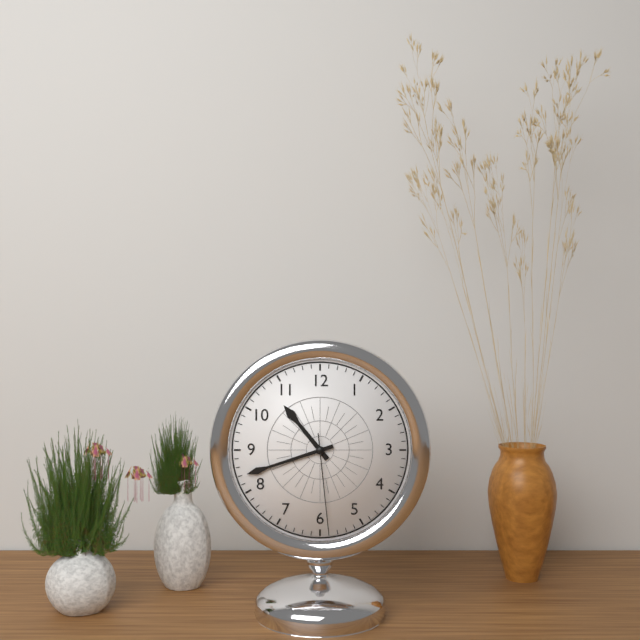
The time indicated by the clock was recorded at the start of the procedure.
10:42:29
